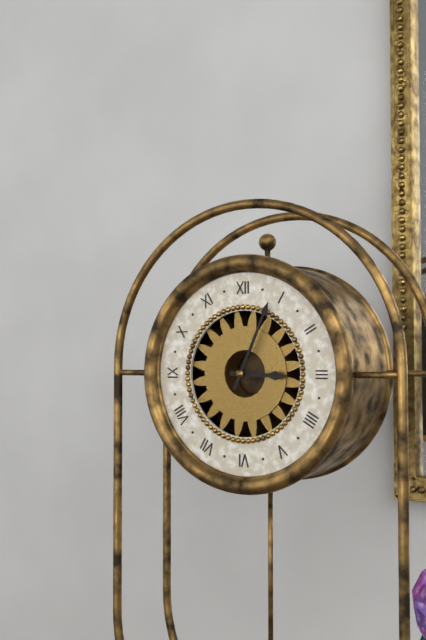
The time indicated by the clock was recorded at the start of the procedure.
3:04
